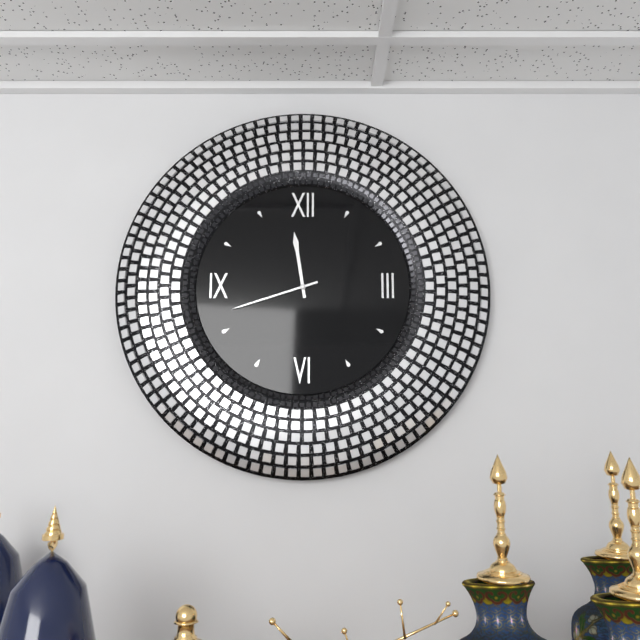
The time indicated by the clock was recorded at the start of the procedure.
11:42
